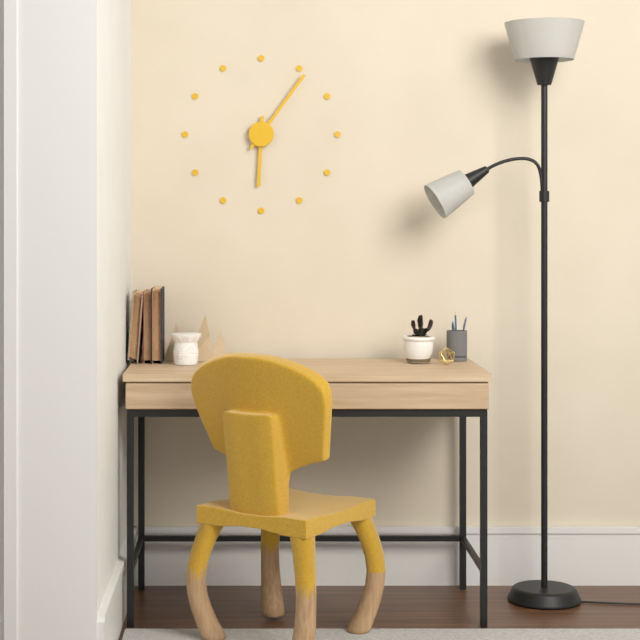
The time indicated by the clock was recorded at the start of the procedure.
6:06
